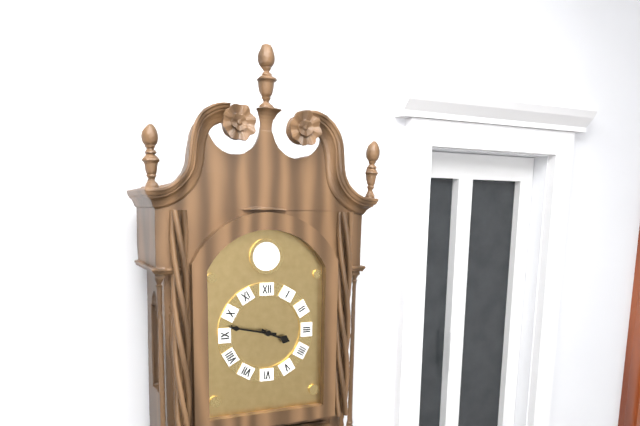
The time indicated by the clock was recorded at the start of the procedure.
3:47
